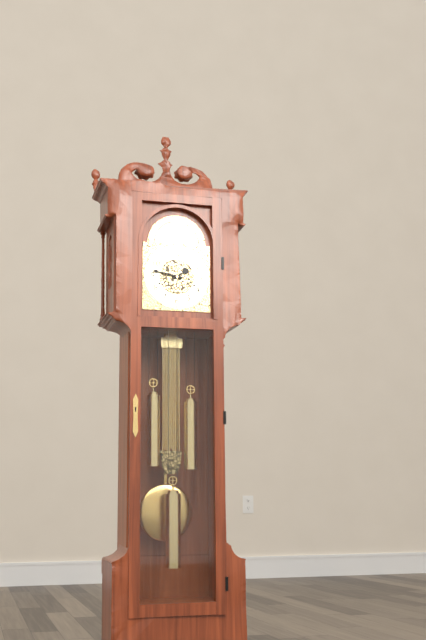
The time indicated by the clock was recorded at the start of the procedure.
1:47
